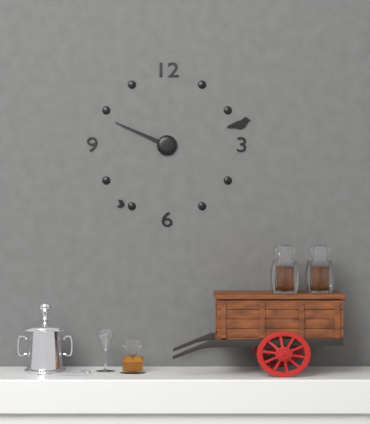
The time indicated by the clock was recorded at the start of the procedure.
9:49
